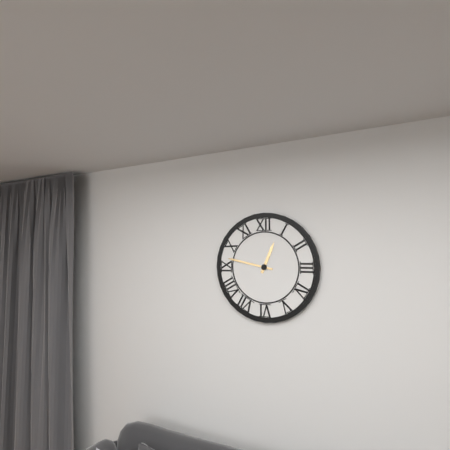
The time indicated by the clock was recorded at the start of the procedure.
12:47
